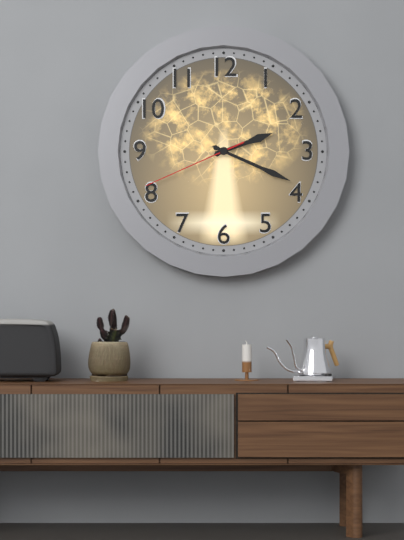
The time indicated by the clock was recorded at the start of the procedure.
2:19:41
